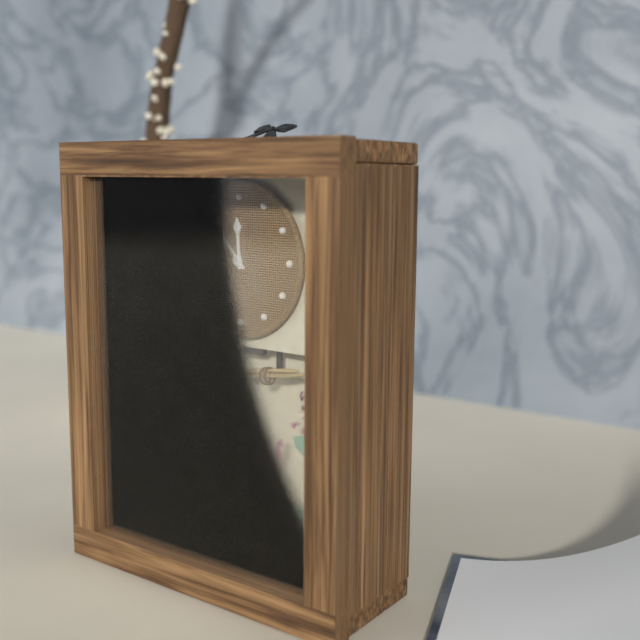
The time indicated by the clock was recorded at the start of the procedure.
11:53
